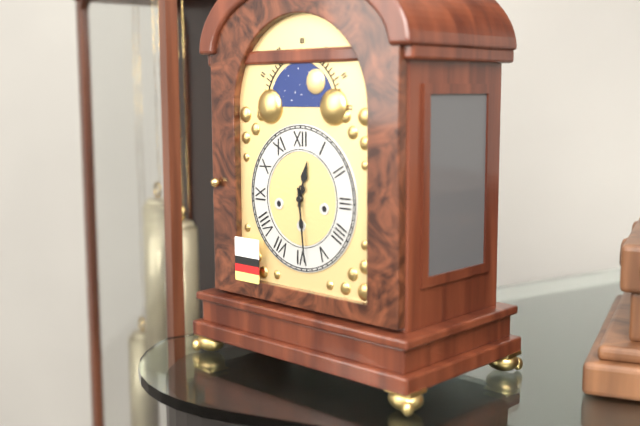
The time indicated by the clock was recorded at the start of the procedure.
12:29
